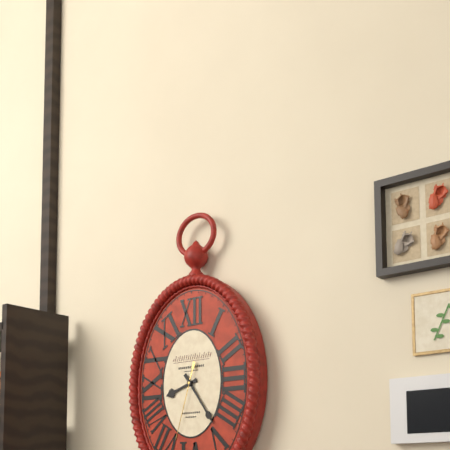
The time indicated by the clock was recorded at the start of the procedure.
8:24:33
